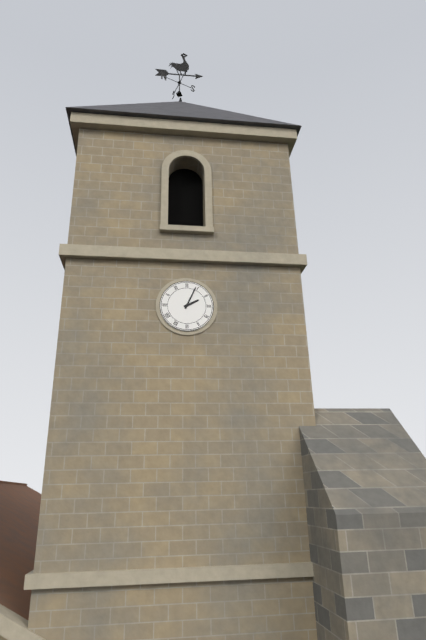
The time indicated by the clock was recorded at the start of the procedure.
2:04
